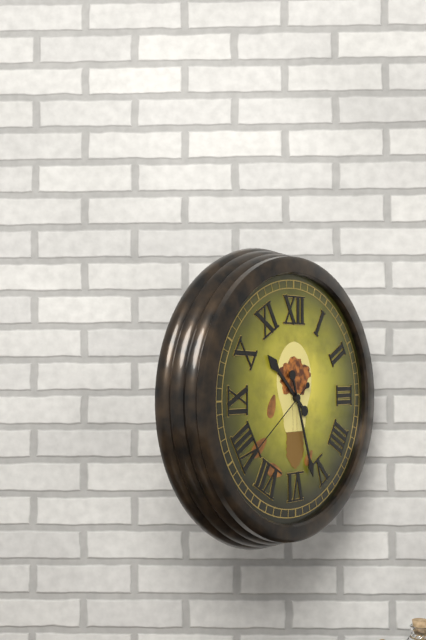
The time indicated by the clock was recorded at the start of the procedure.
10:27:39
